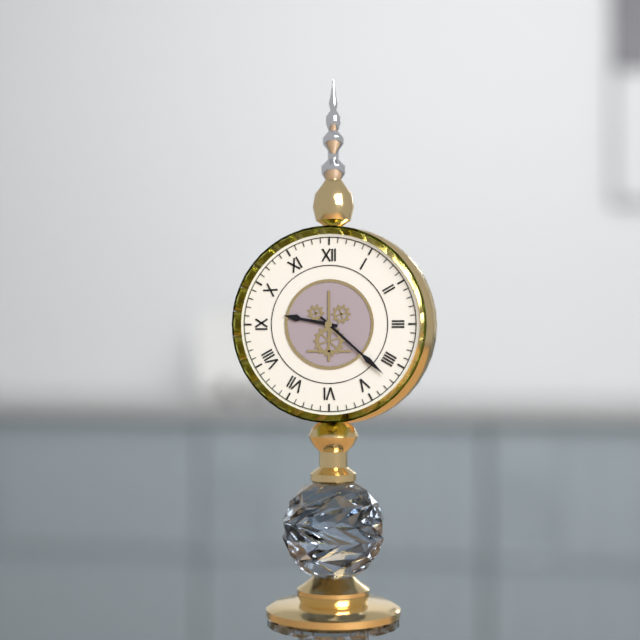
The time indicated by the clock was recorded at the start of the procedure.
9:22
